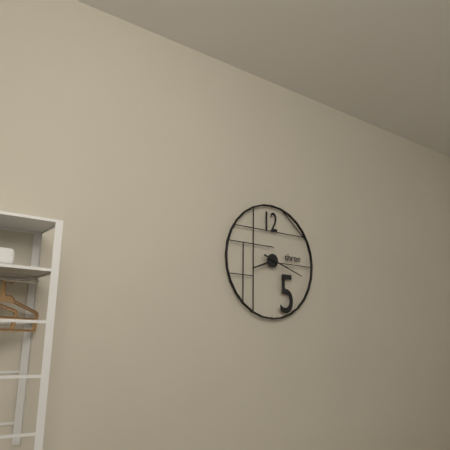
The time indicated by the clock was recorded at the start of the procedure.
8:18
